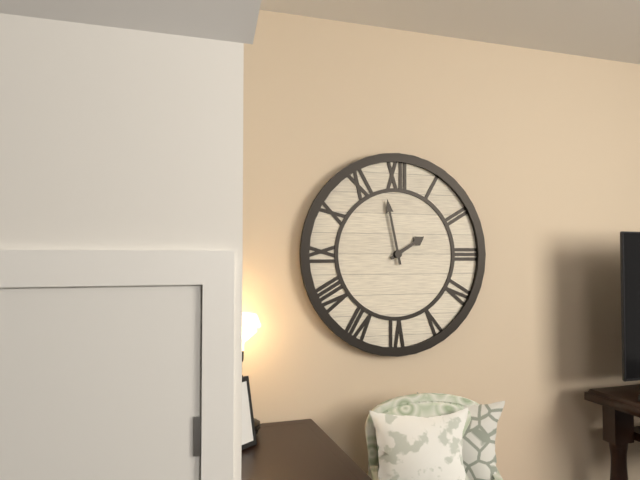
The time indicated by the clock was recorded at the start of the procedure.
1:58
